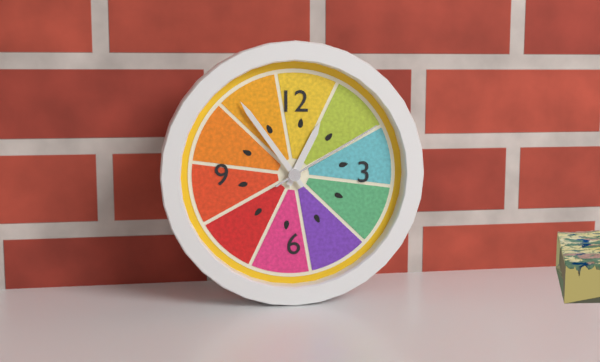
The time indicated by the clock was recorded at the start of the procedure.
12:54:10
